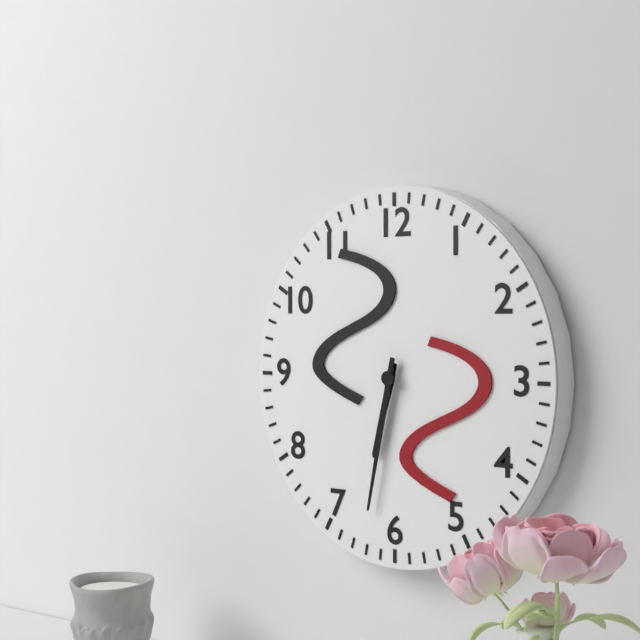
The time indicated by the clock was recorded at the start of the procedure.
6:32
